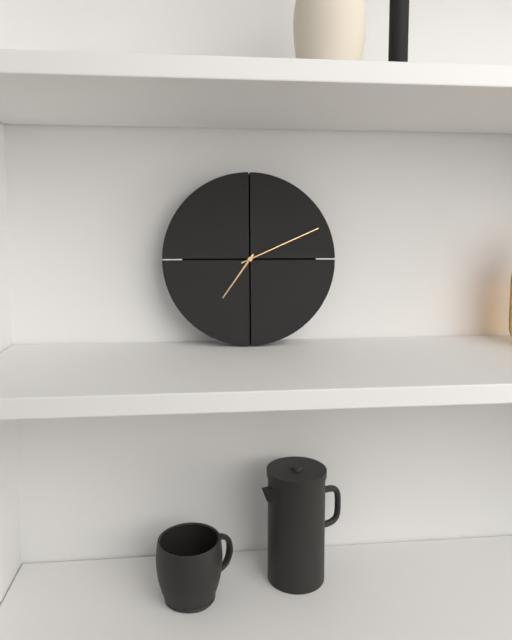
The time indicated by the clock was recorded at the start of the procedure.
7:11
